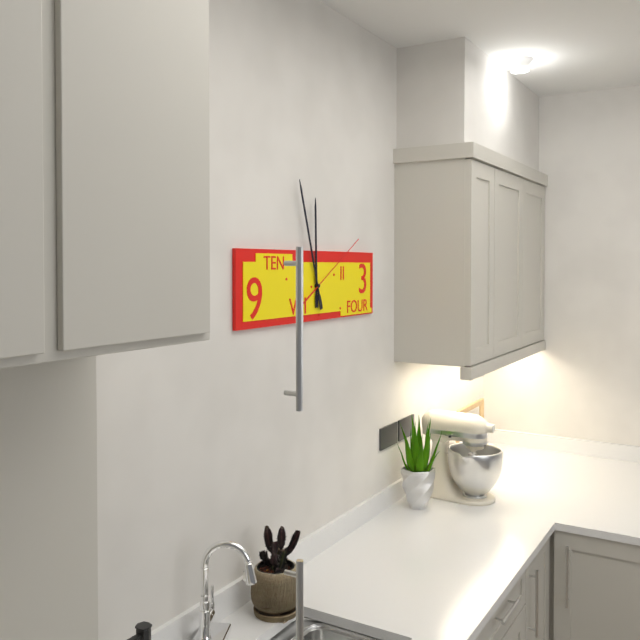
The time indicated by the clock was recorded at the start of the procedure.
11:57:10
